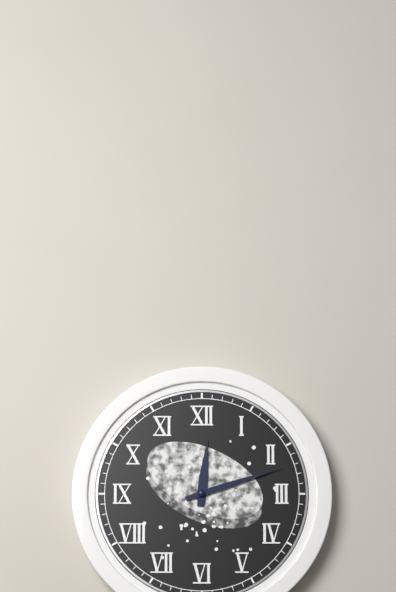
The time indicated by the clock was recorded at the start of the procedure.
12:12
